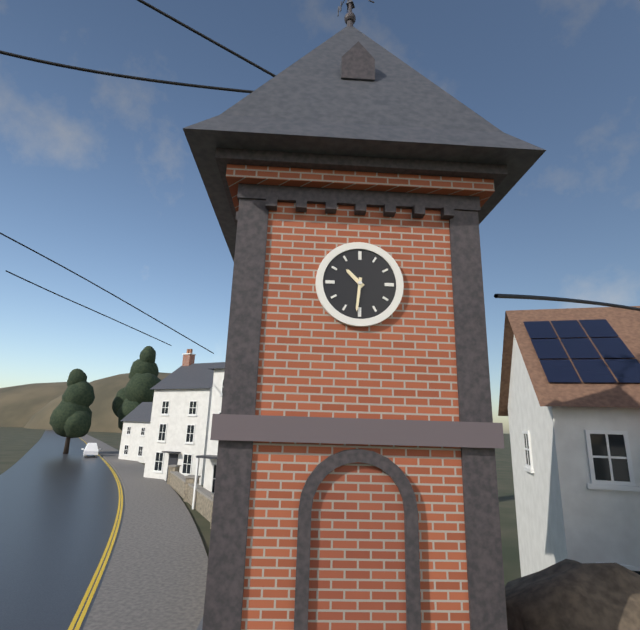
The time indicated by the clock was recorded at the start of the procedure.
10:31
